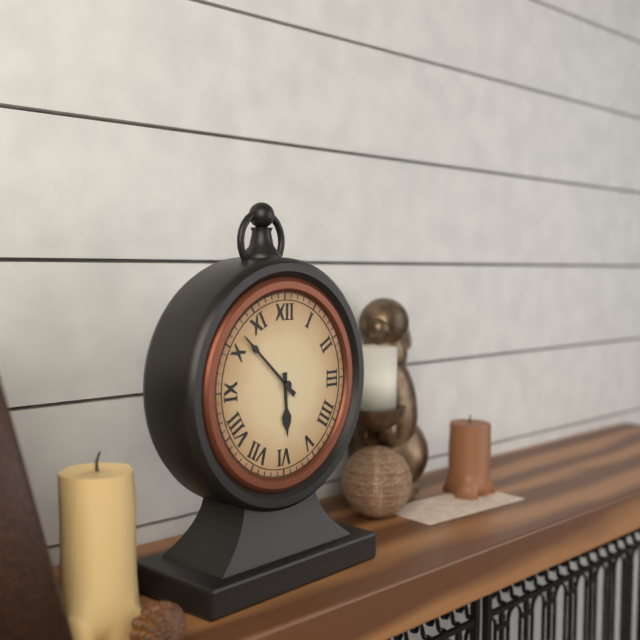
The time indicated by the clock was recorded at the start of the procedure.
5:52
